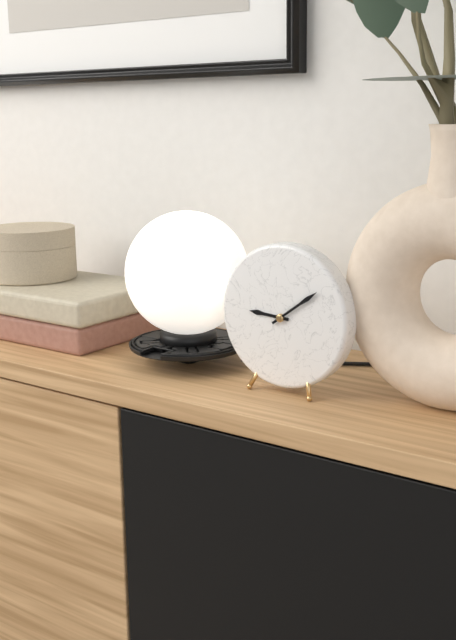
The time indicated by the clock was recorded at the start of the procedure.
9:09
